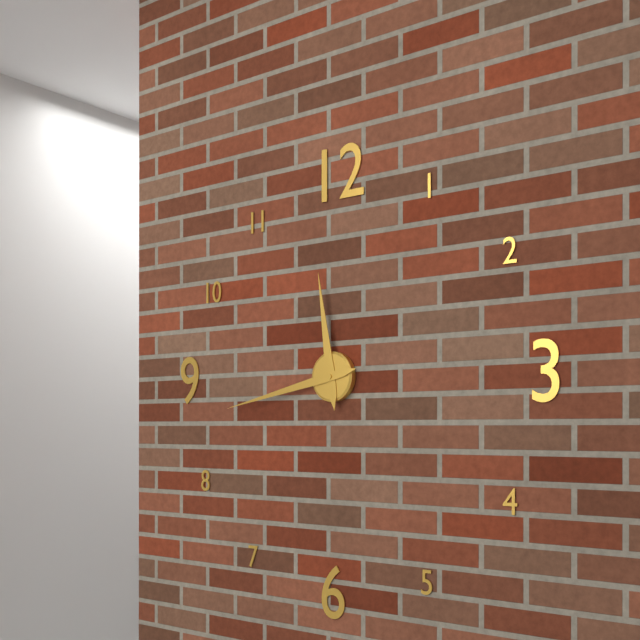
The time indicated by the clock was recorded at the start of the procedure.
11:43
